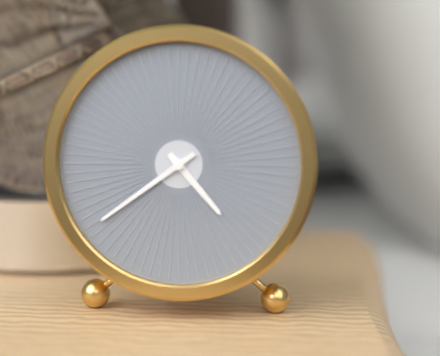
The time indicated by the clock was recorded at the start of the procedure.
4:39
